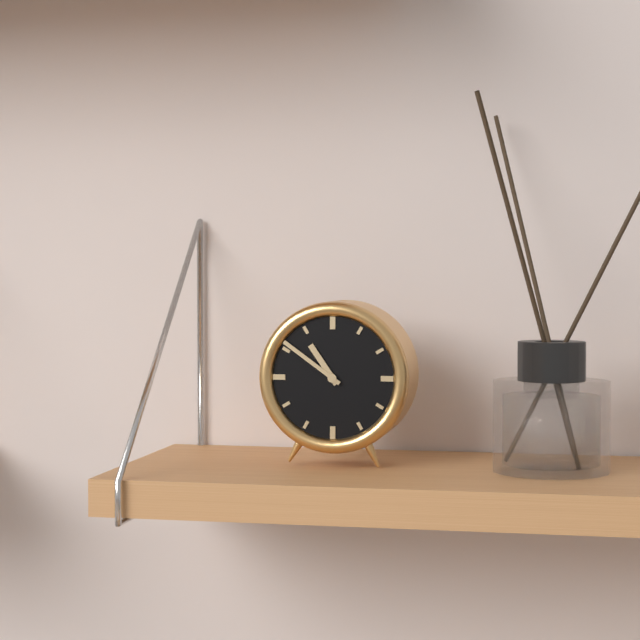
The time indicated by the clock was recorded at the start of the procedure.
10:51
